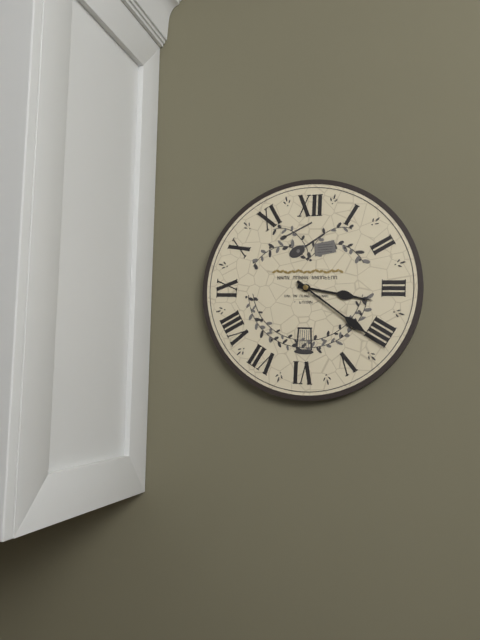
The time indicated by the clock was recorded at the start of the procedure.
3:21
